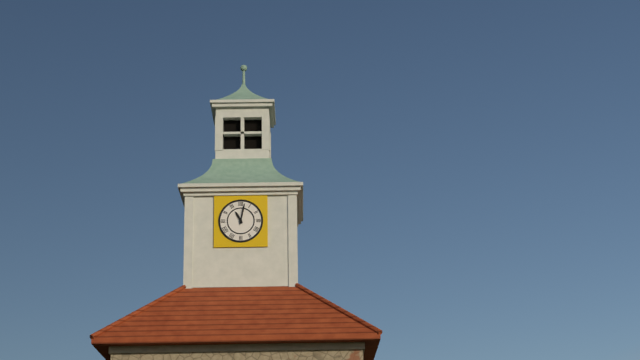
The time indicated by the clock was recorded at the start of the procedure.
11:02
